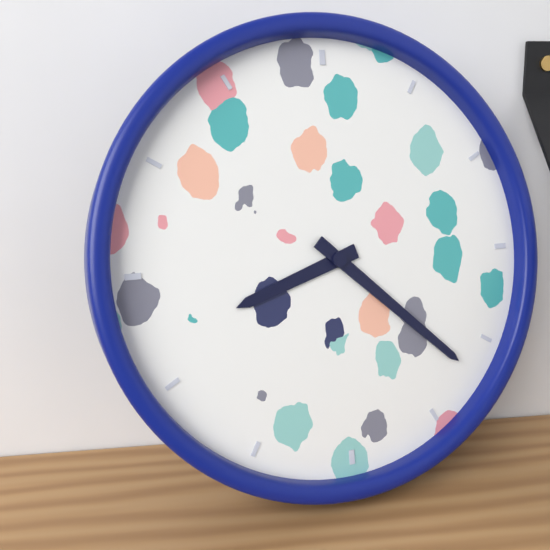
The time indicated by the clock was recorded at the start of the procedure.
8:22
